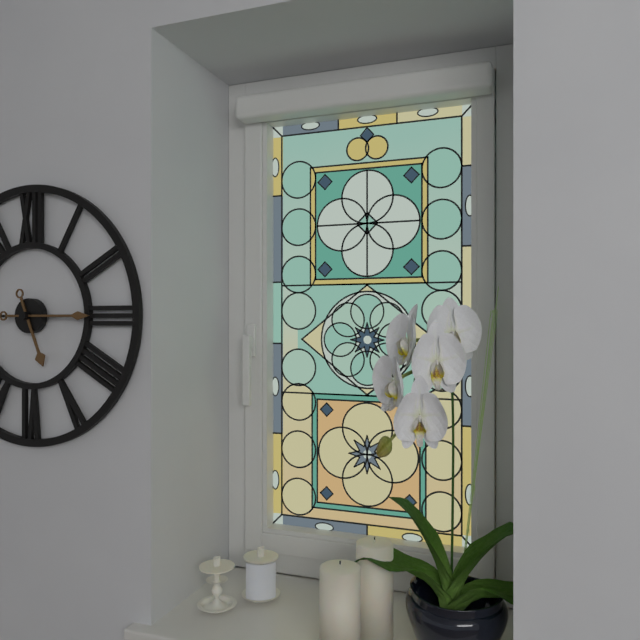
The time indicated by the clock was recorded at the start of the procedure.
5:15
